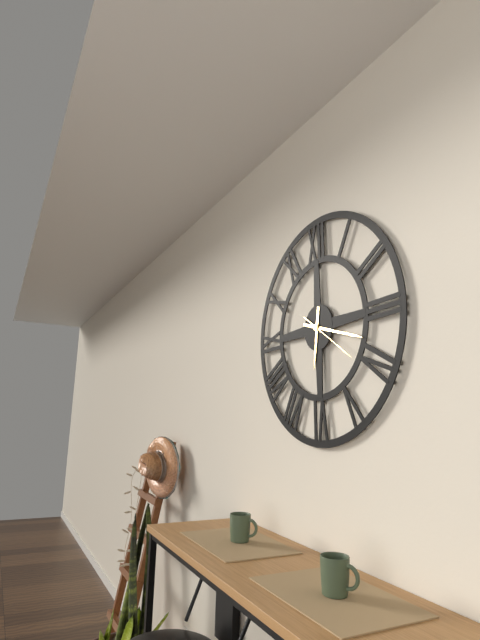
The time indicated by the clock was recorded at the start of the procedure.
6:18:21
